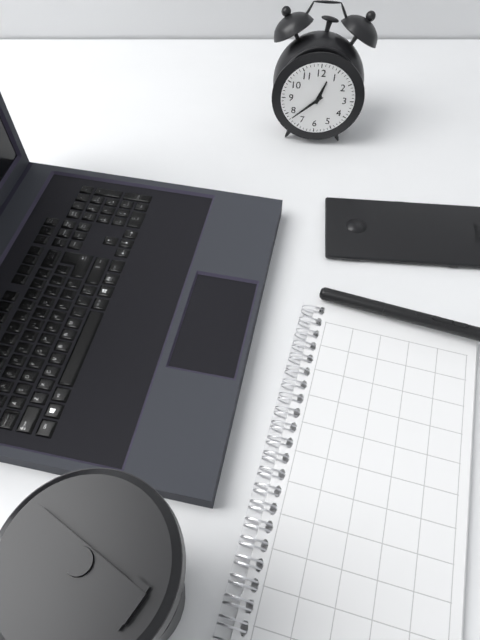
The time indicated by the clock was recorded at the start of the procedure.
12:38
